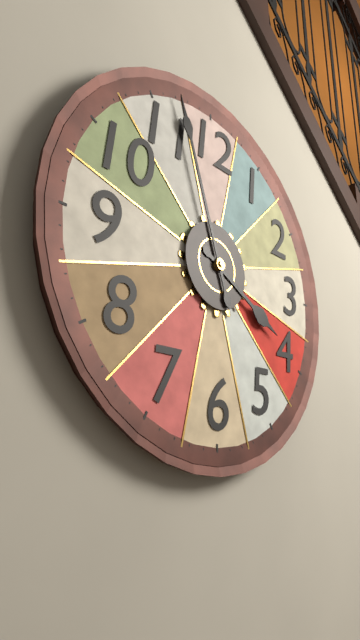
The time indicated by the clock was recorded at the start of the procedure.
3:57
